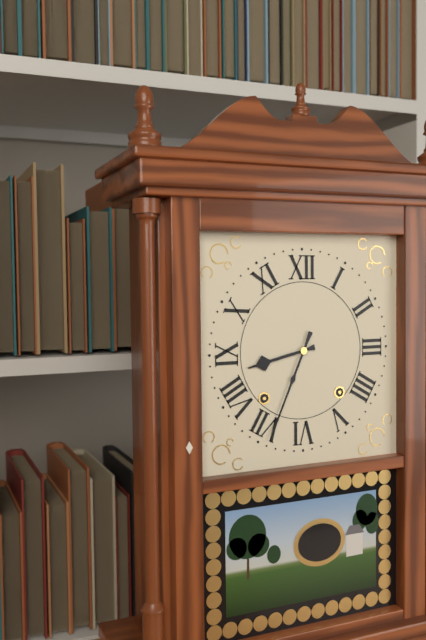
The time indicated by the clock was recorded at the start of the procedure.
8:34
